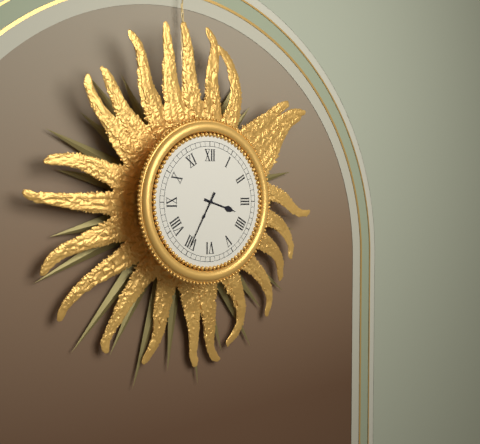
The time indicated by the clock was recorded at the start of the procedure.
3:35
